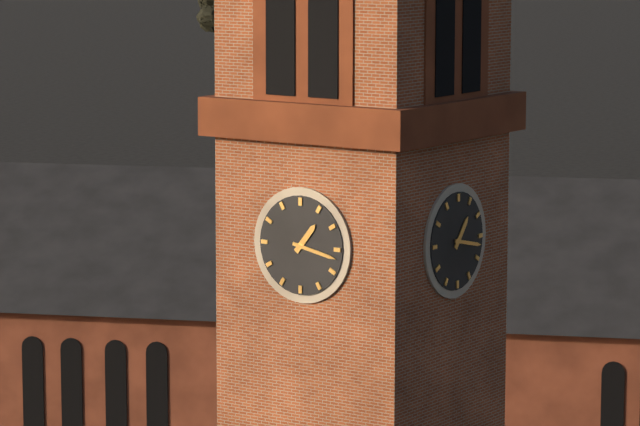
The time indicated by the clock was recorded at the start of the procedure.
1:17
